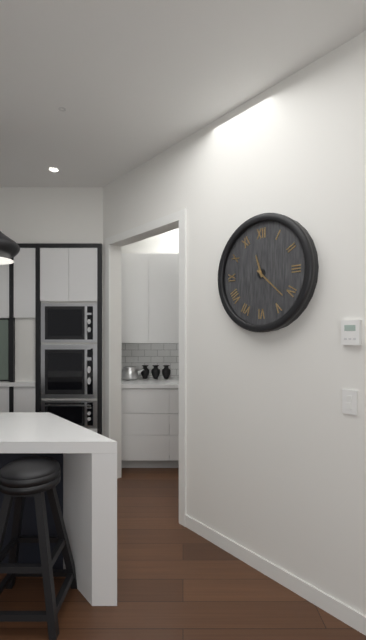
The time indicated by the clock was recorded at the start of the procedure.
11:22
